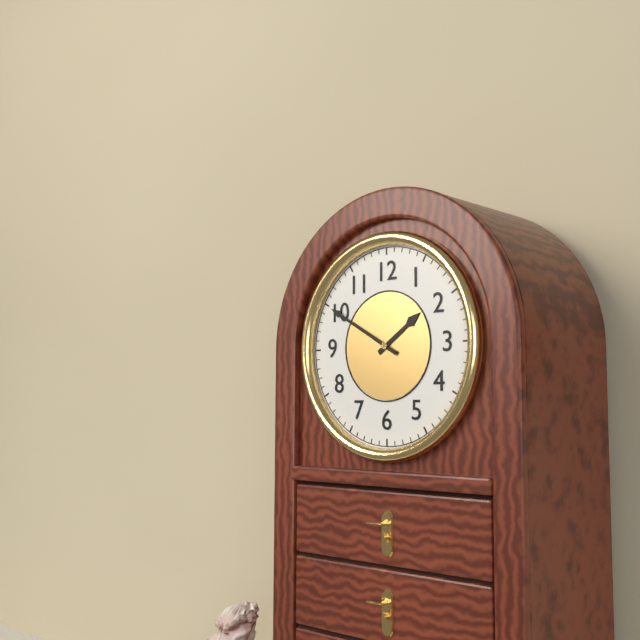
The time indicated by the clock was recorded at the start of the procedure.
1:50
